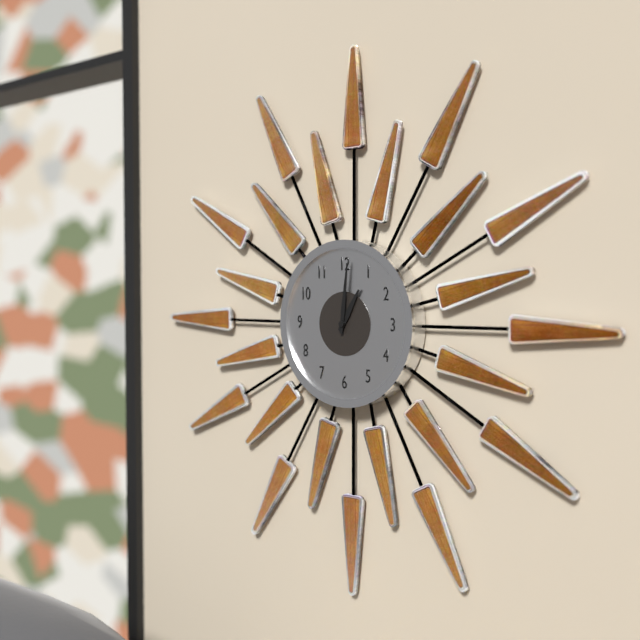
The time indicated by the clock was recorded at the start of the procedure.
1:01
